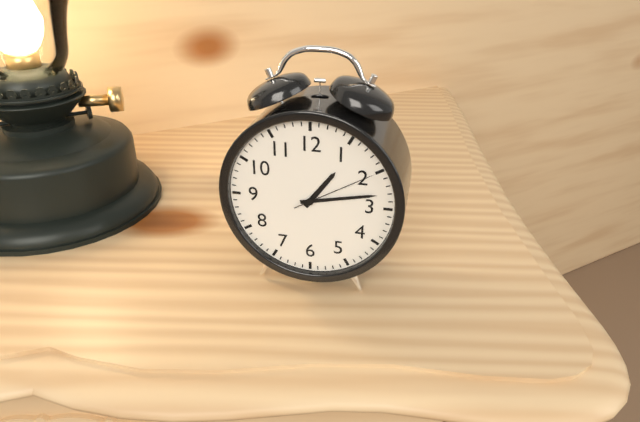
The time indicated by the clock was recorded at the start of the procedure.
1:13:10
